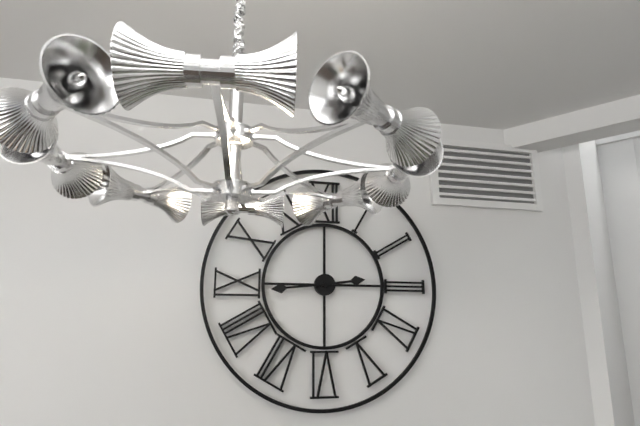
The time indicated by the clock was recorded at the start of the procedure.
2:44
